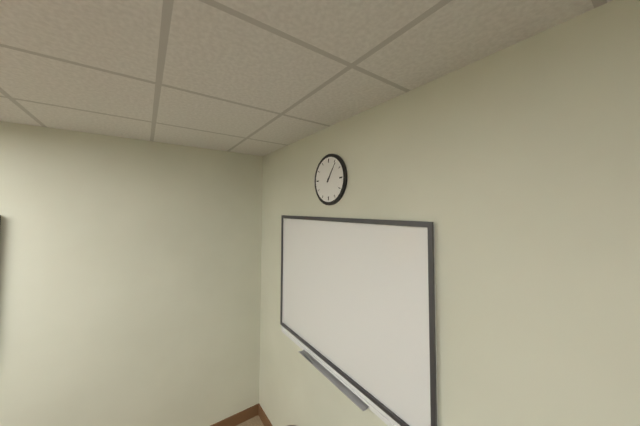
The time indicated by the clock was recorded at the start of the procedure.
1:06
